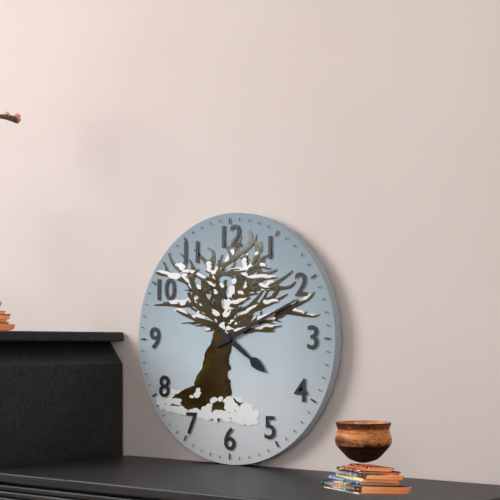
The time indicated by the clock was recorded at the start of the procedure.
4:11
